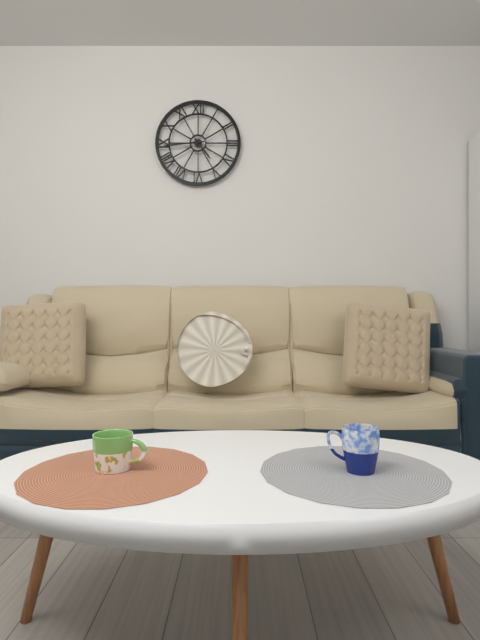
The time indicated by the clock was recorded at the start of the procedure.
4:44
